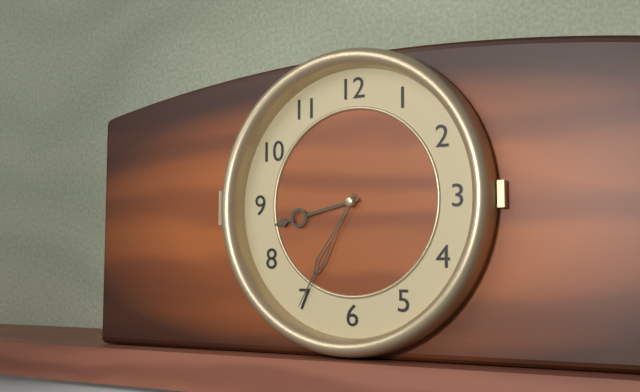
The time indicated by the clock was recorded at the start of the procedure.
8:35
